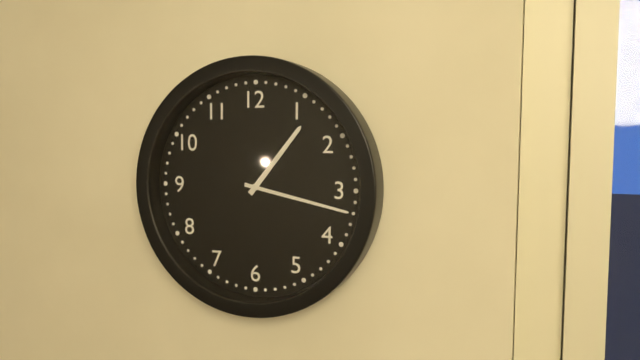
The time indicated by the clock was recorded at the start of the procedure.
1:17
